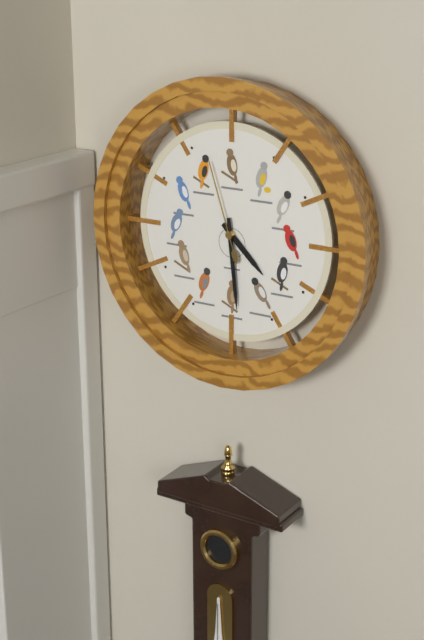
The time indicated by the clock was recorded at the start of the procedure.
4:29:57
